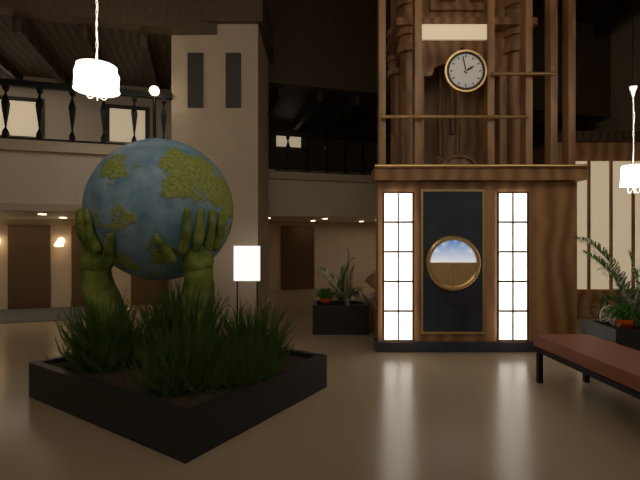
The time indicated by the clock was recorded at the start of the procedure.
1:58
